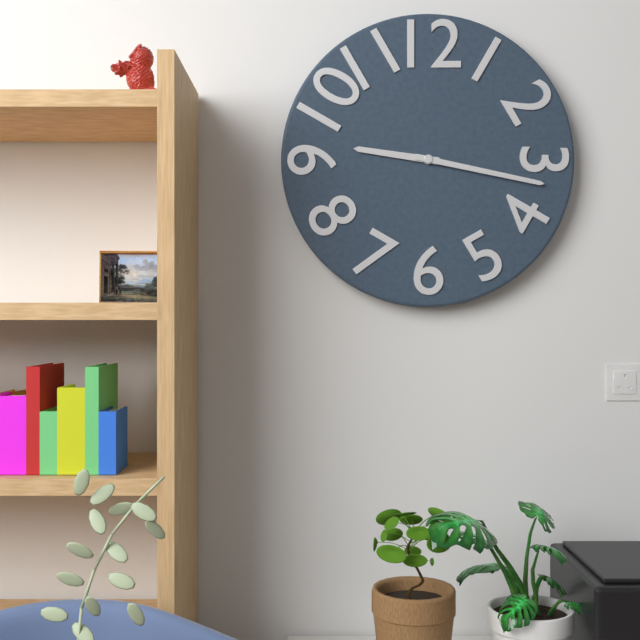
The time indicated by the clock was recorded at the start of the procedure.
9:17
